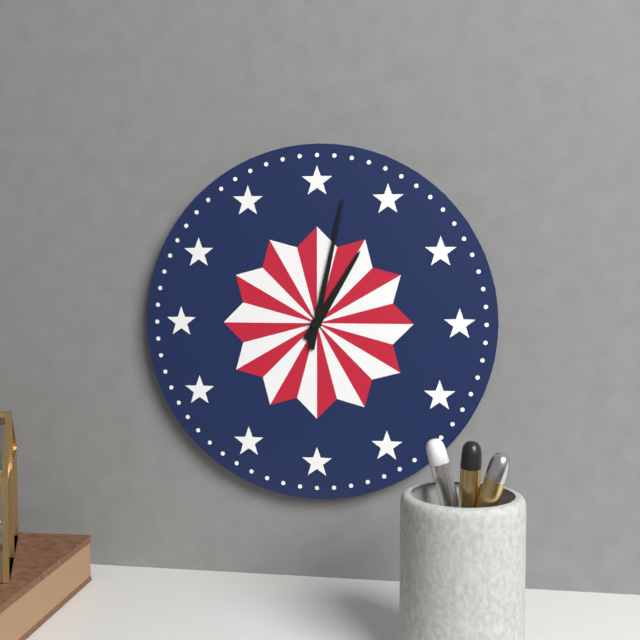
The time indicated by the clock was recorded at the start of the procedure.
1:02
